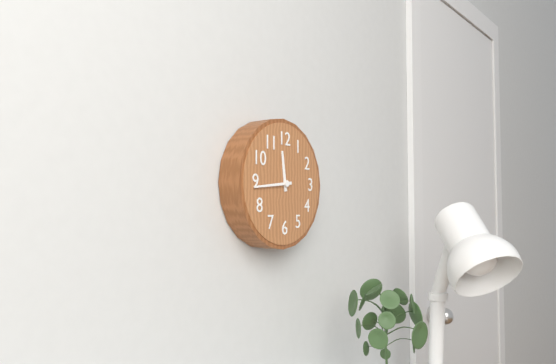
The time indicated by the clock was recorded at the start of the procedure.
11:44
